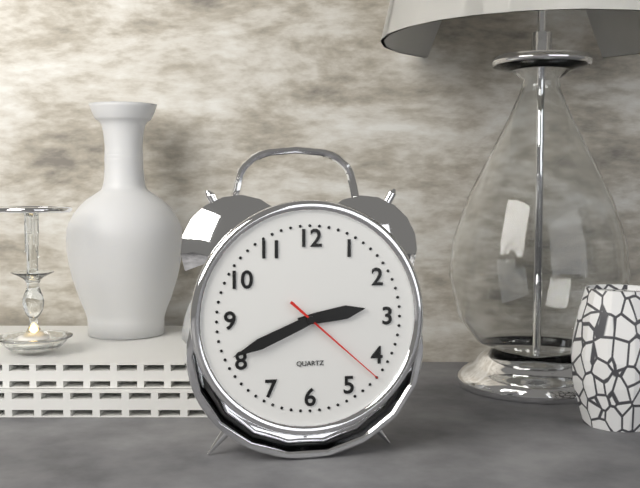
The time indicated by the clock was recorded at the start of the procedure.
2:41:22
